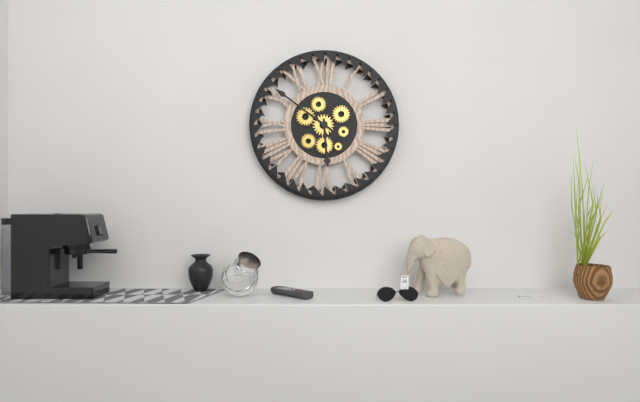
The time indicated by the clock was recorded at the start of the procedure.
5:51
